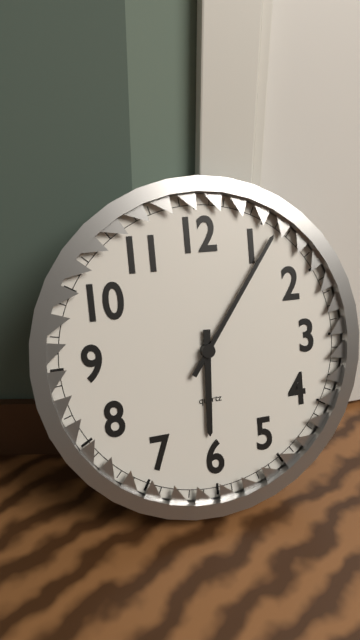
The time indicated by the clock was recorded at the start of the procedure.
6:06
